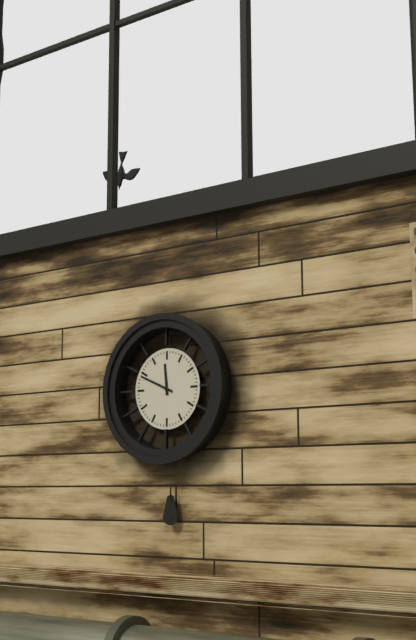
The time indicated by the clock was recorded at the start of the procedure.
11:49
